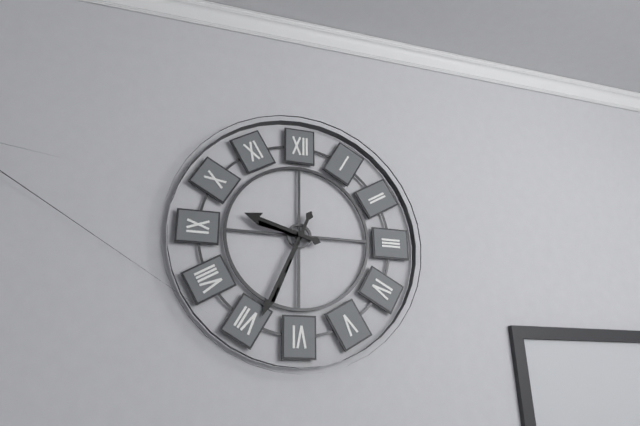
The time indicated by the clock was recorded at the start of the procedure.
9:34
